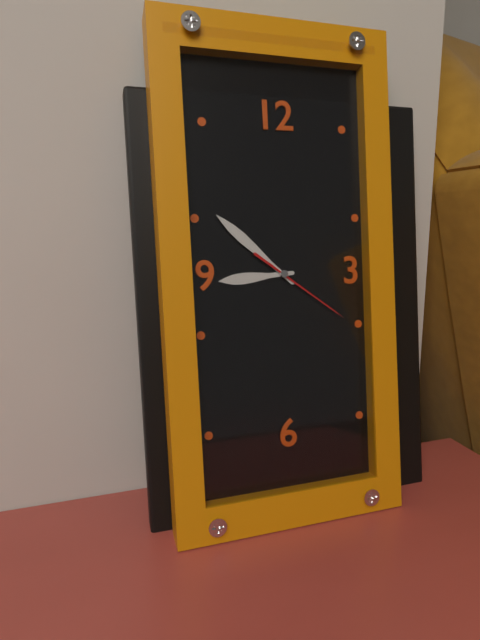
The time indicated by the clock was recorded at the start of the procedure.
8:52:21
